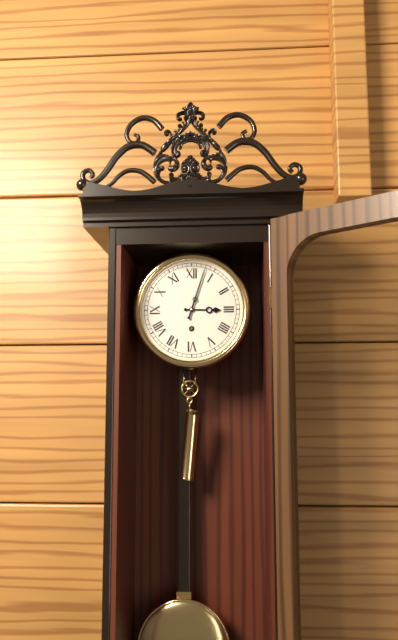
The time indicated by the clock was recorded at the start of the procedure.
3:03
